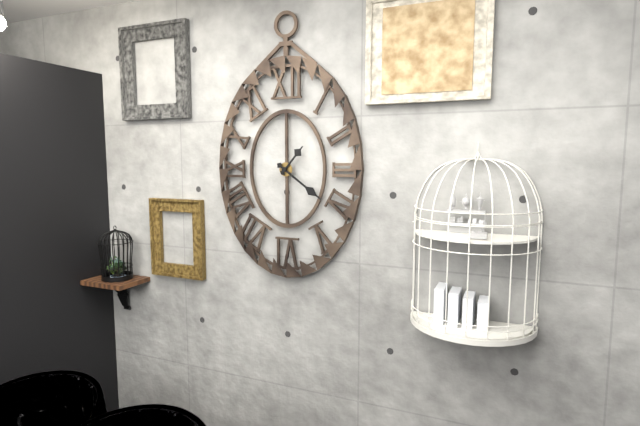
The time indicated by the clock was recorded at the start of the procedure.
1:21
